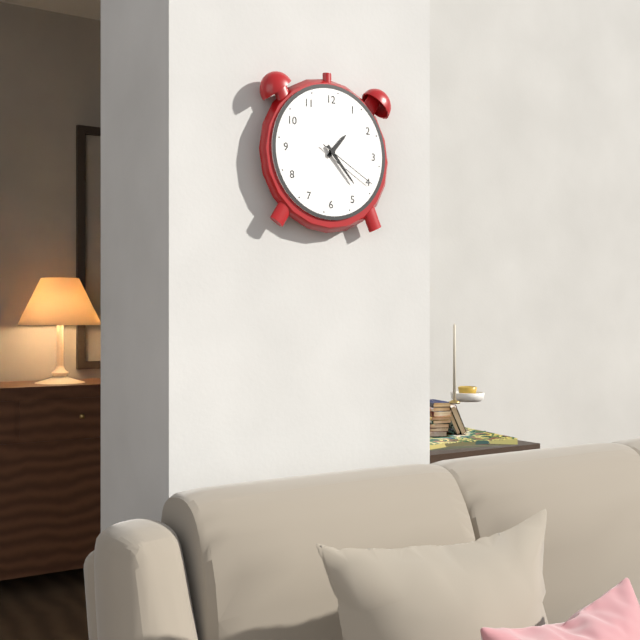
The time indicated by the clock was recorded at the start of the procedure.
1:23:20
